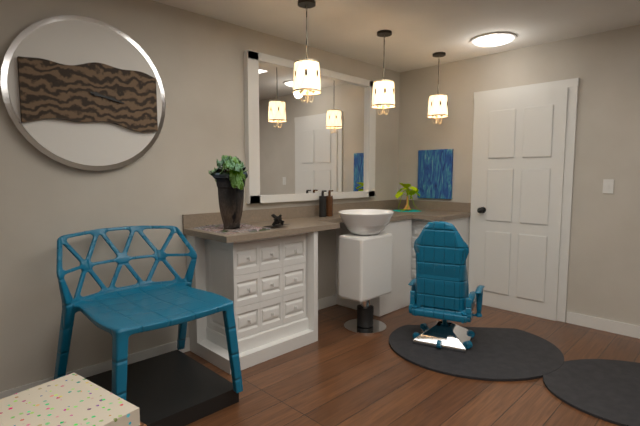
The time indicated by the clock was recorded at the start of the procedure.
3:17
